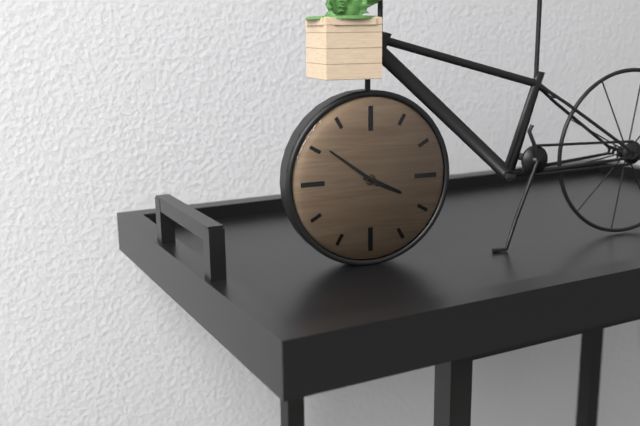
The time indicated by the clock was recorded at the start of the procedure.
3:51
